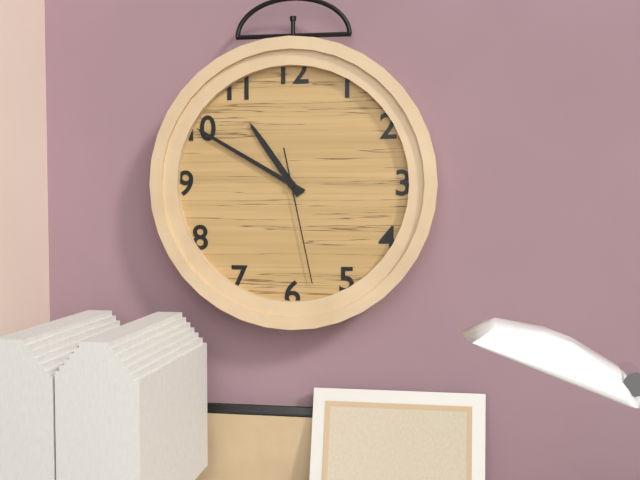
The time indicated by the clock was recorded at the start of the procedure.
10:50:28
